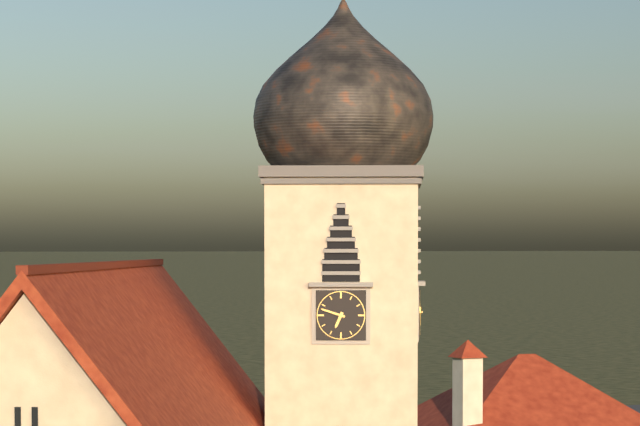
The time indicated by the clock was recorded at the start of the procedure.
6:48
